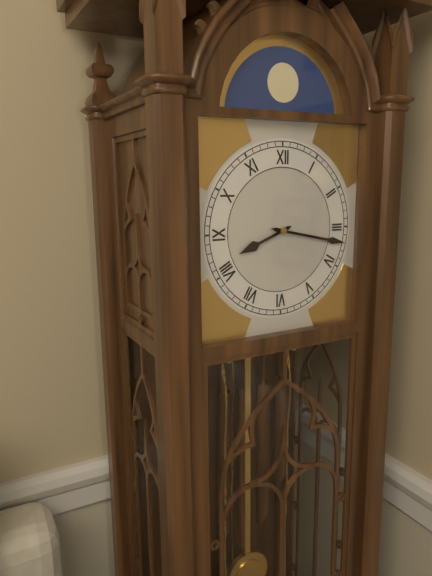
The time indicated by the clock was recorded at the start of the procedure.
8:17
